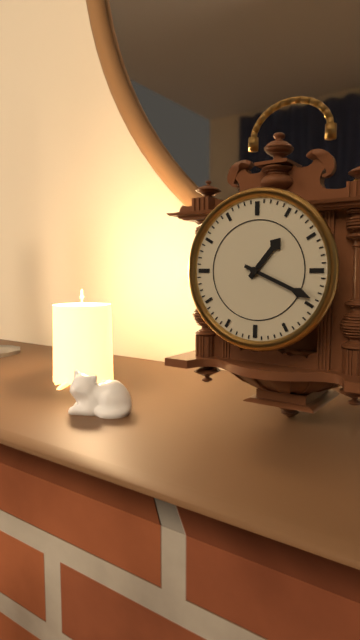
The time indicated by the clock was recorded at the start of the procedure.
1:19
